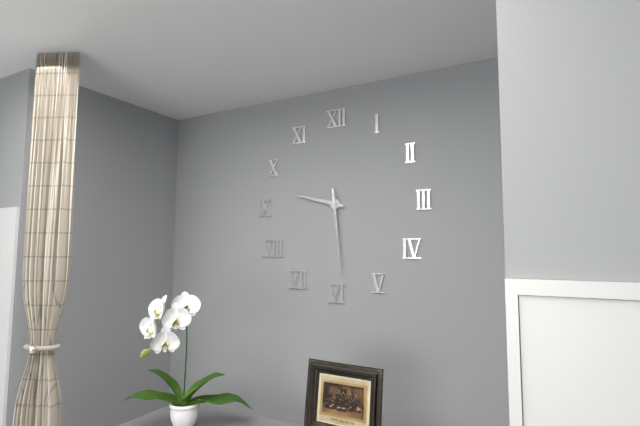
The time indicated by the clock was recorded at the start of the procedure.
9:29
